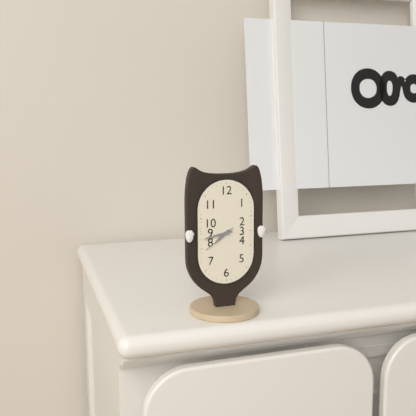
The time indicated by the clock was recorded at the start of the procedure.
7:43
